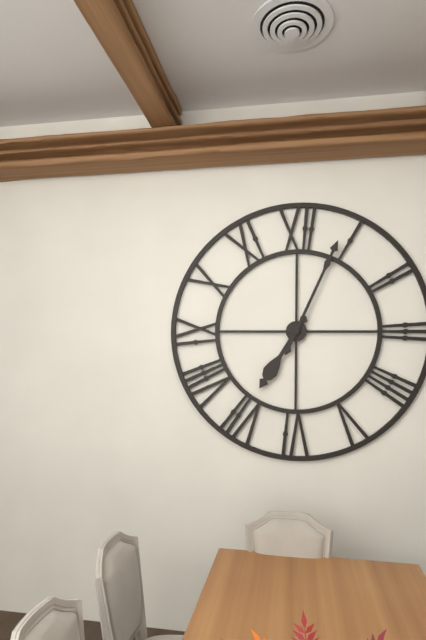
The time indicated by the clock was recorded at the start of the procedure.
7:04
